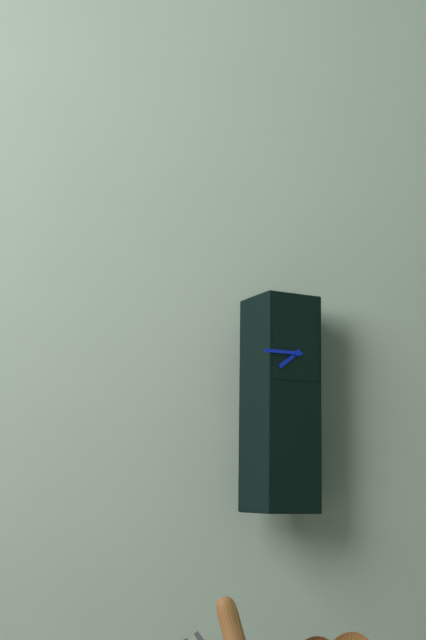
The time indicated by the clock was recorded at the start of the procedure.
7:45
